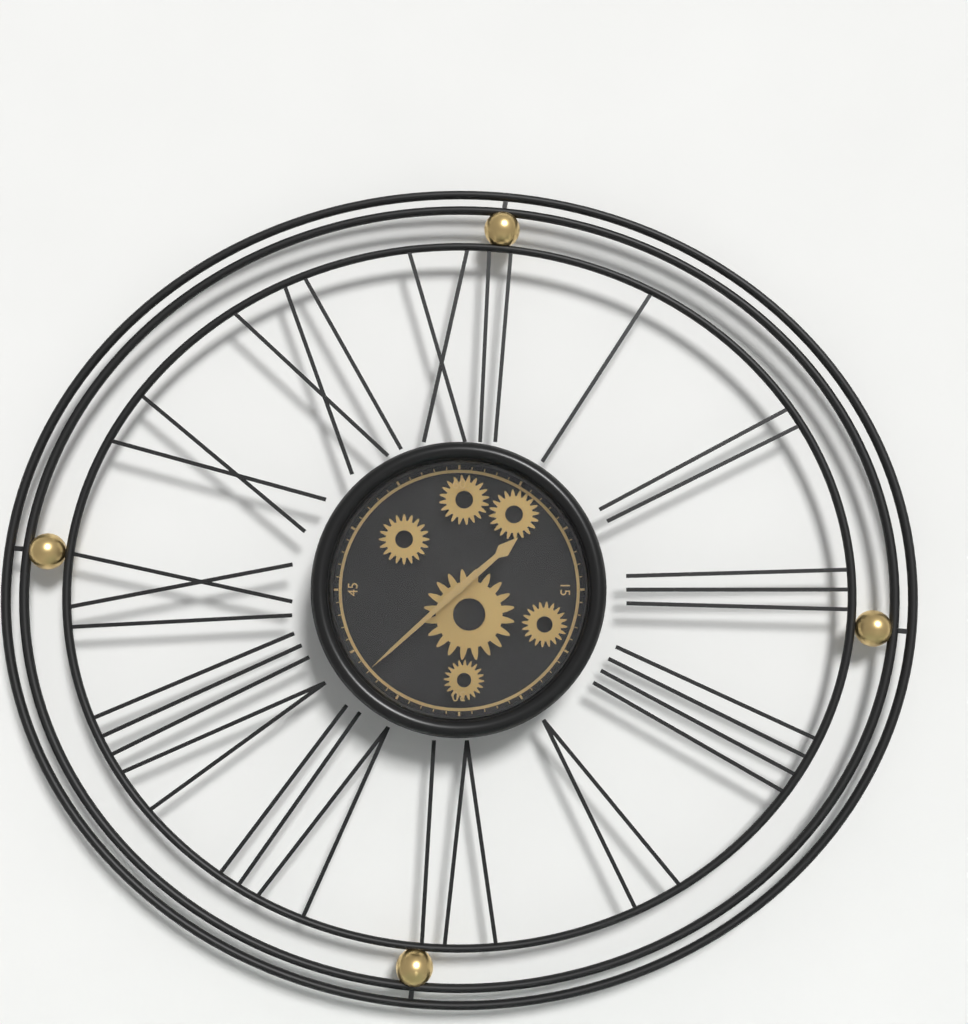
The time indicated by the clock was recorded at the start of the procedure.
1:38
